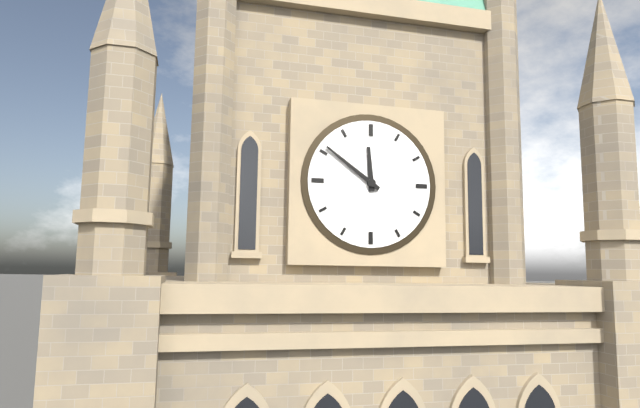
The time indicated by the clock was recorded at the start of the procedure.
11:51
